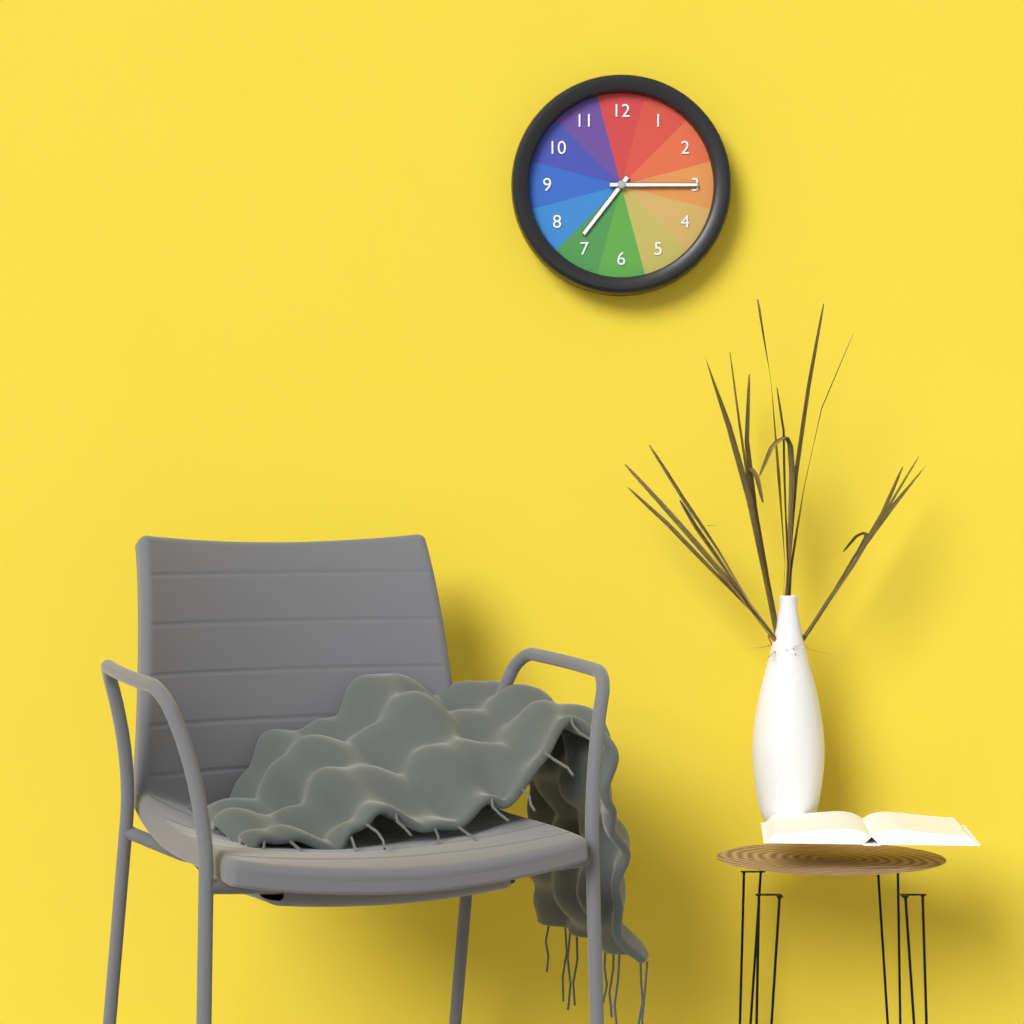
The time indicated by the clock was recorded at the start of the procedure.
7:15
